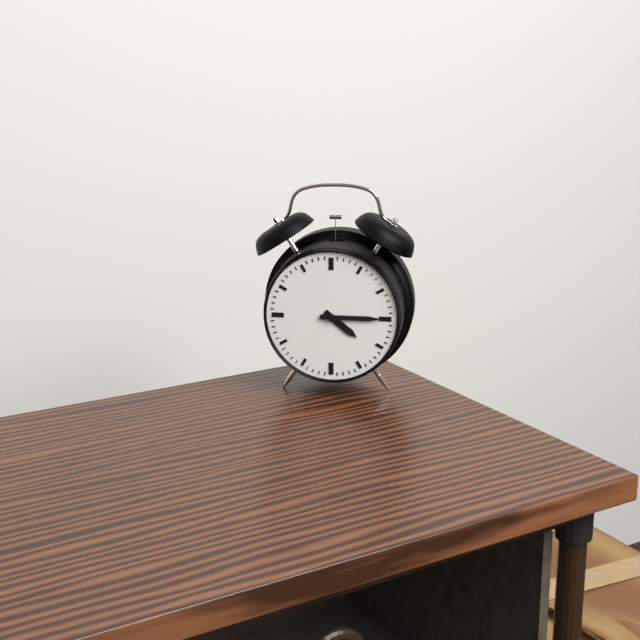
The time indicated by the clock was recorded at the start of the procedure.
4:15
